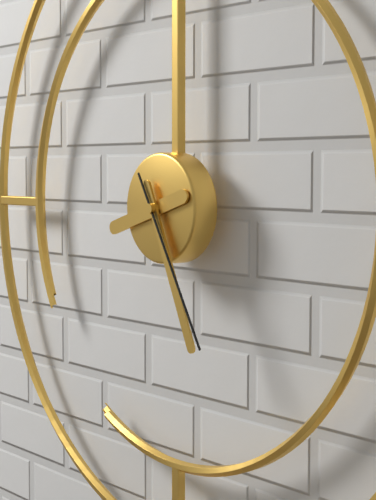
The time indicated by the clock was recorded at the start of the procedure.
8:26:25
